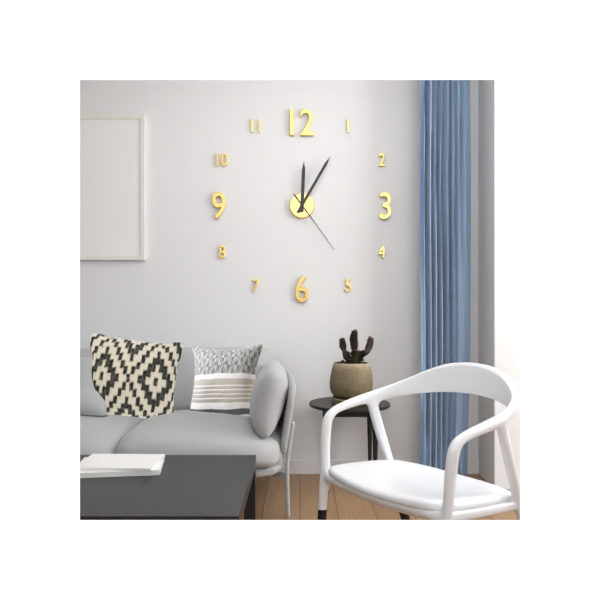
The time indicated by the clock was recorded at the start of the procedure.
12:05:24
